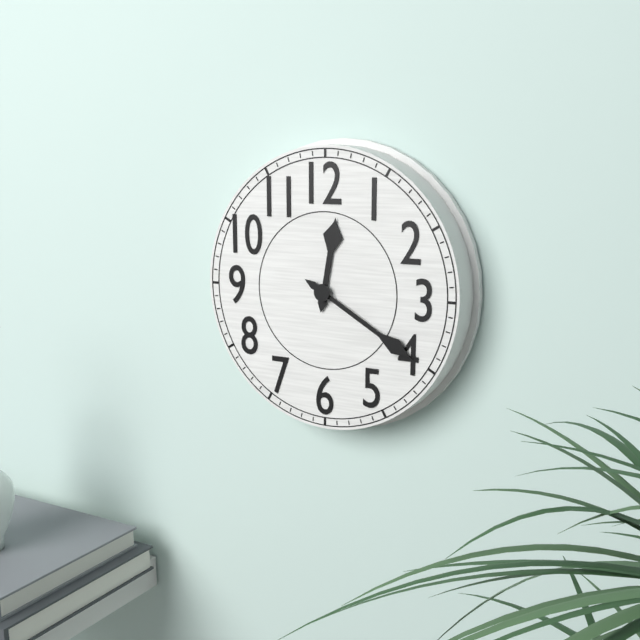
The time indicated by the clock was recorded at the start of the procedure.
12:20
